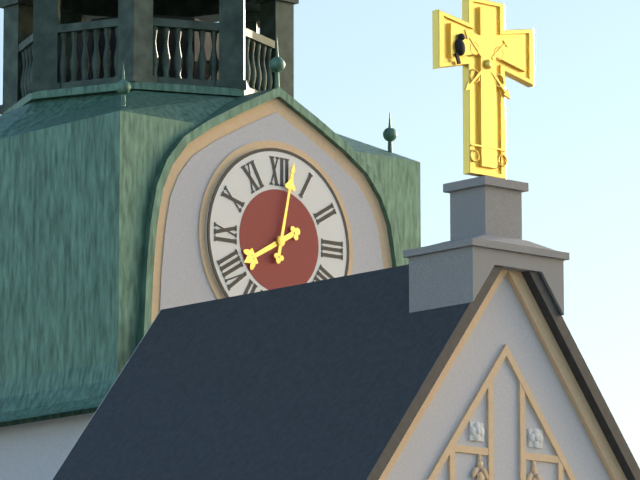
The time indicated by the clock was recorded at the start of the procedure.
8:02
